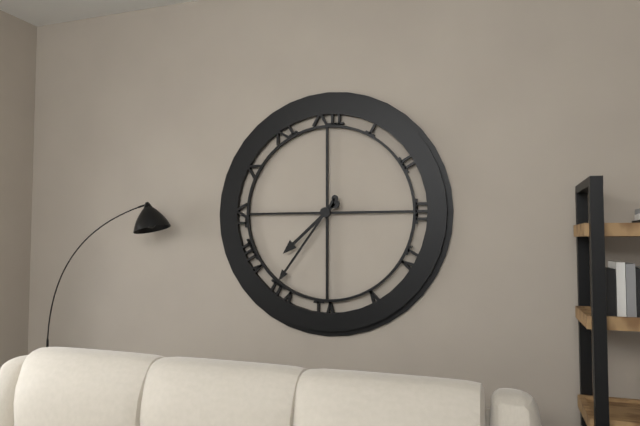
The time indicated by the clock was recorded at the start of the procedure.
7:36
